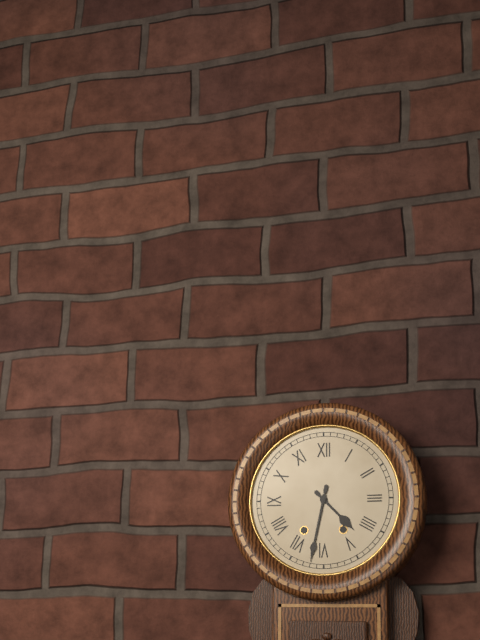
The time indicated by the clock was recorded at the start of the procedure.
4:32
